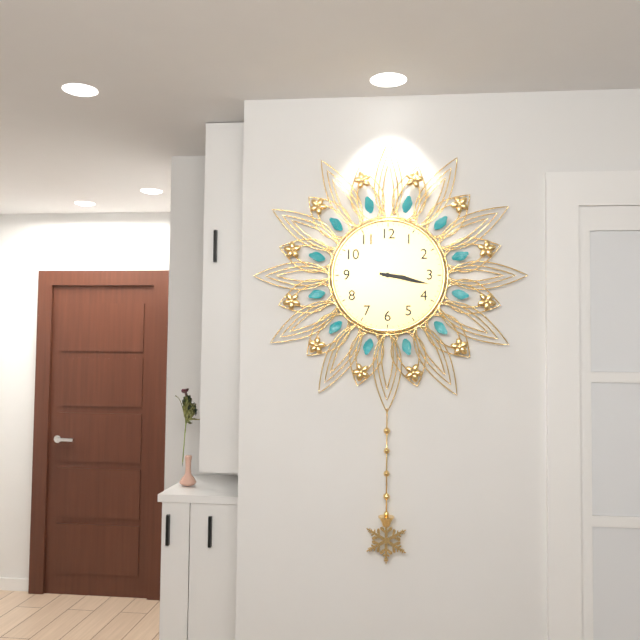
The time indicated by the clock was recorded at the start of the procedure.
3:17
